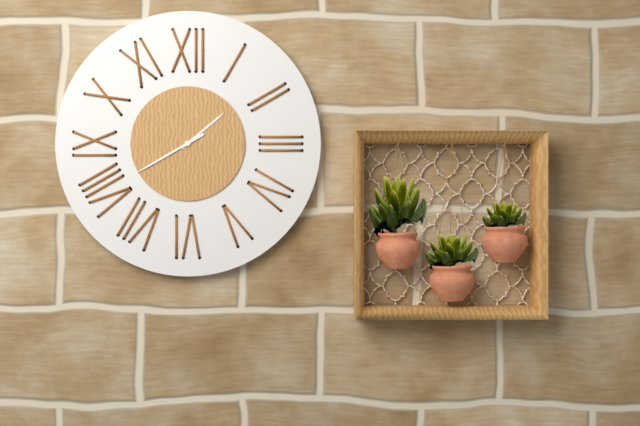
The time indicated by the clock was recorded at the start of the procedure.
1:40
